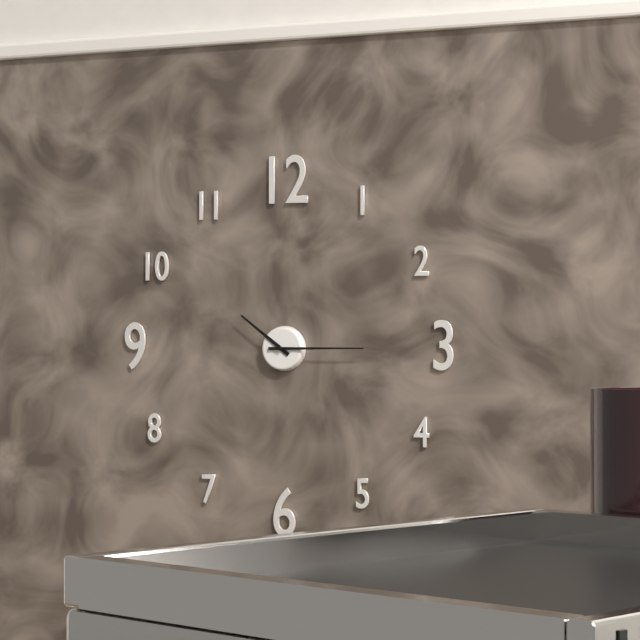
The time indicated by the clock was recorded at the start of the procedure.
10:15
